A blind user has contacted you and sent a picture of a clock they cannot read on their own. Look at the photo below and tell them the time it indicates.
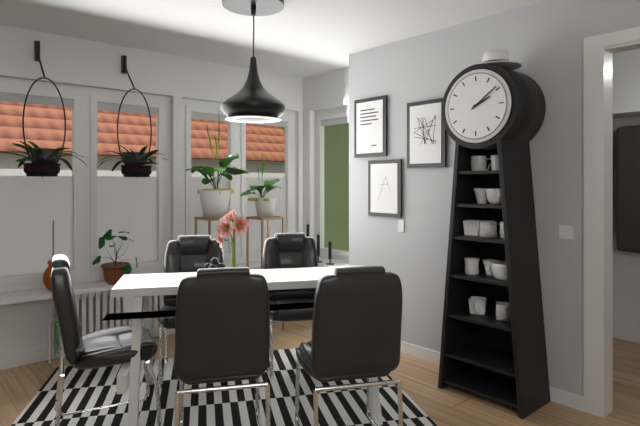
2:09
